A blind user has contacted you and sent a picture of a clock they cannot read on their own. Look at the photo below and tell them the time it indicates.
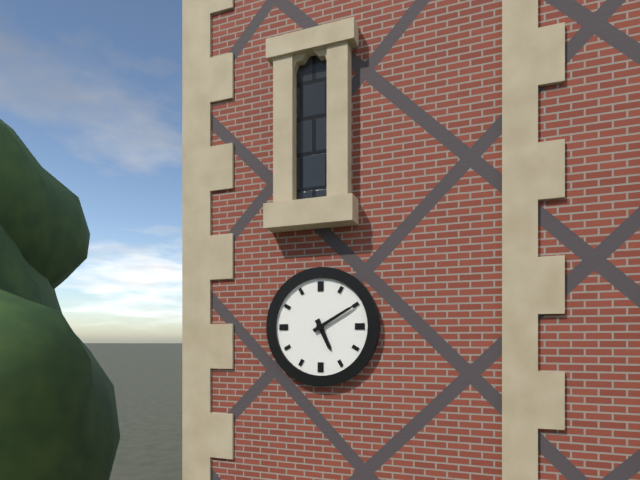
5:10
